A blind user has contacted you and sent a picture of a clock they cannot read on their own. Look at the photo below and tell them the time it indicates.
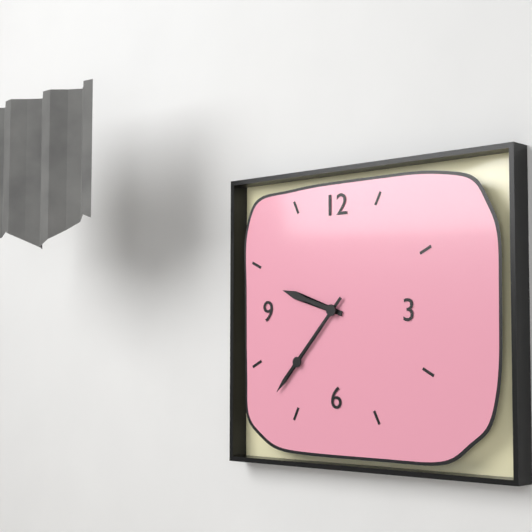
9:37
